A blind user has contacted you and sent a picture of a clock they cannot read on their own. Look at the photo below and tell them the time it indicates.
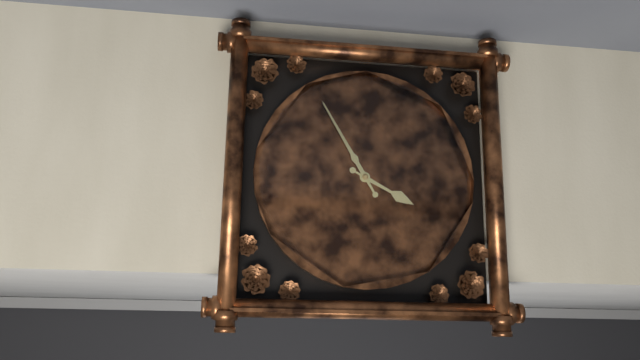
3:55
